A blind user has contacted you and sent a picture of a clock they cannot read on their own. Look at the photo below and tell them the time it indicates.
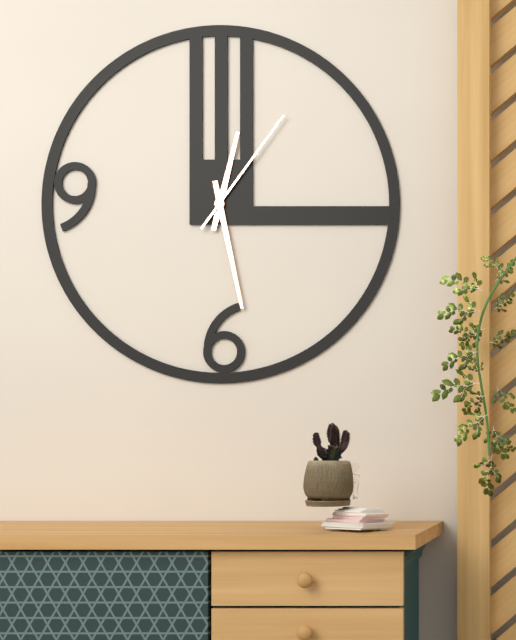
12:28:06
